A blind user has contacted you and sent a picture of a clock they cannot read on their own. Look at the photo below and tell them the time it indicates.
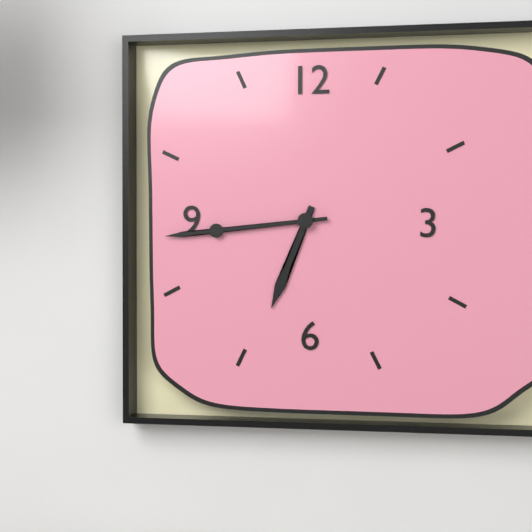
6:44
